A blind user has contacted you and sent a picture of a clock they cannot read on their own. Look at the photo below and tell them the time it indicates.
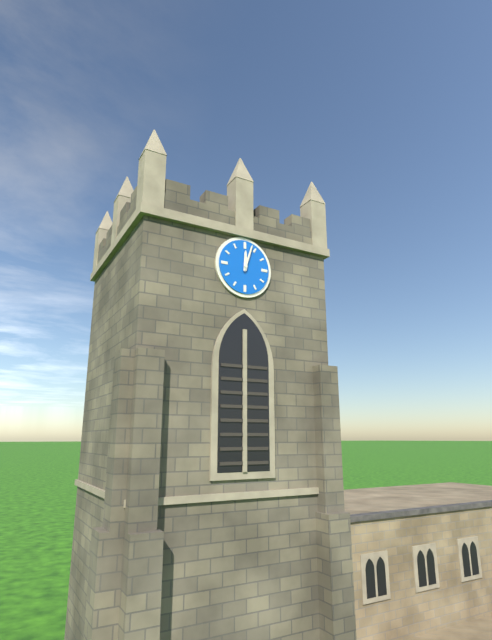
12:03
